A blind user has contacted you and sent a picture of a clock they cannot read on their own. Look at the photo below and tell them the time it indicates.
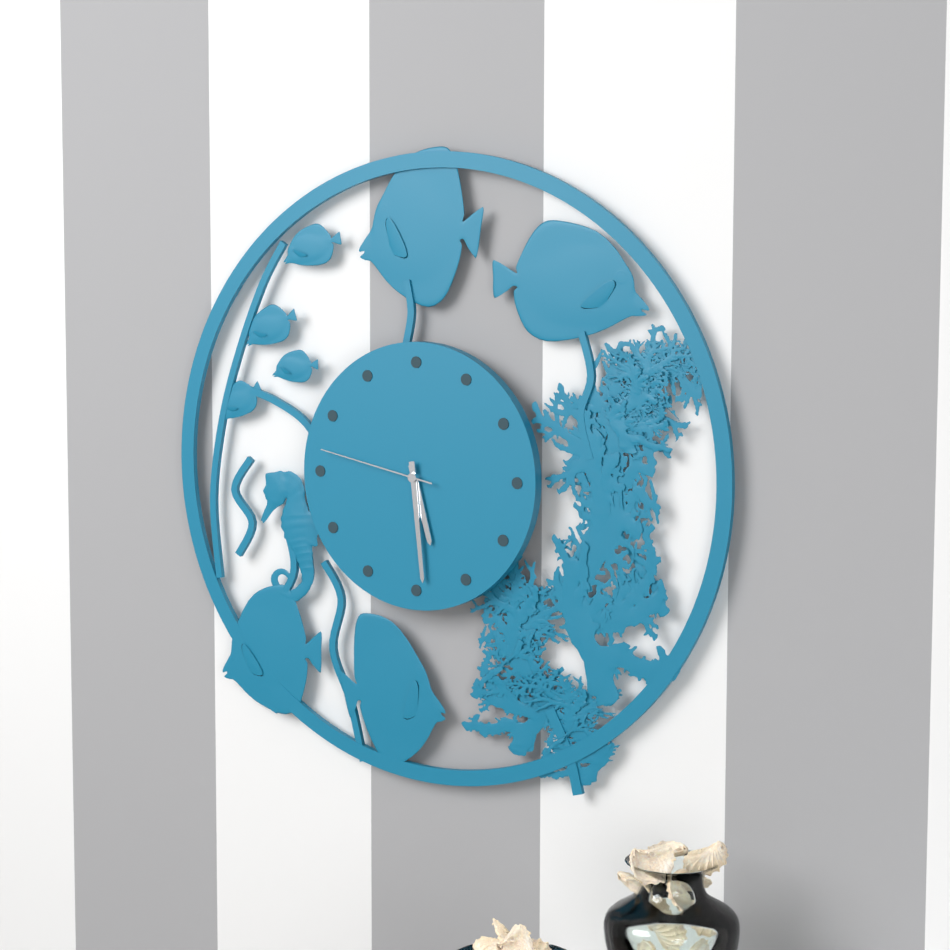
5:29:47
